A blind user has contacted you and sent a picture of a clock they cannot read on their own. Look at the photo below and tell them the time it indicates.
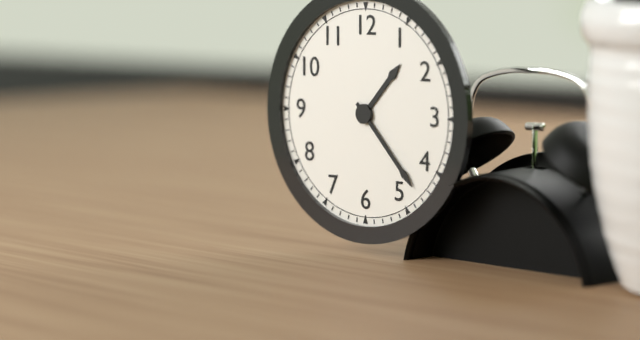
1:23
